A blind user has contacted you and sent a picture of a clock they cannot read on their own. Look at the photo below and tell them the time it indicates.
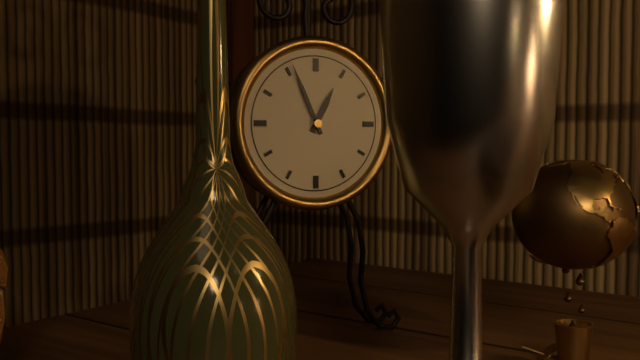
12:56
